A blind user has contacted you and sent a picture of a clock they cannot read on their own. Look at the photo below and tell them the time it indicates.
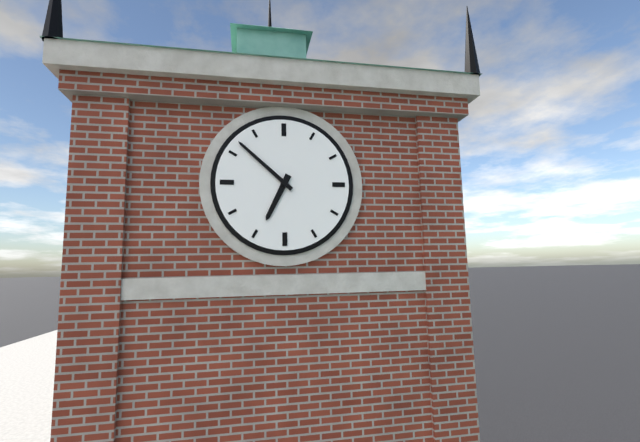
6:52
